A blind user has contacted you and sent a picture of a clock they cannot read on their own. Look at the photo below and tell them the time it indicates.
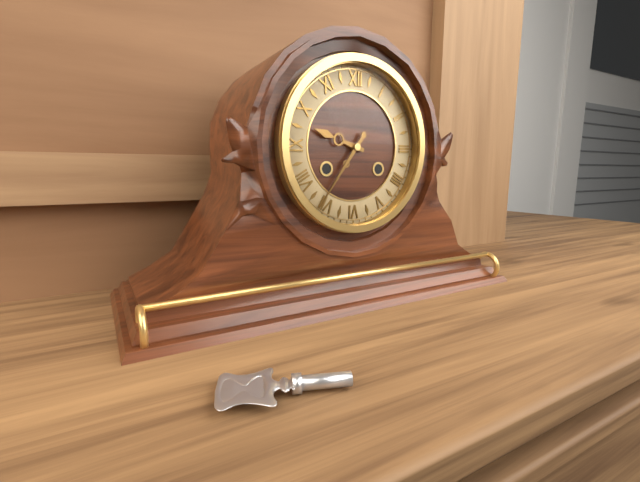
9:36
